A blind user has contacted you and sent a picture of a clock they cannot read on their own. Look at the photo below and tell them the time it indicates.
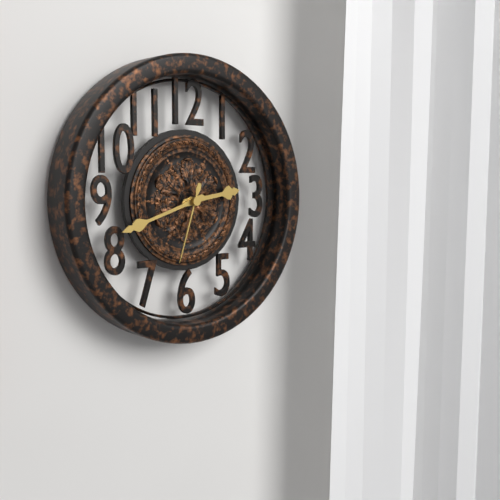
2:42:33
